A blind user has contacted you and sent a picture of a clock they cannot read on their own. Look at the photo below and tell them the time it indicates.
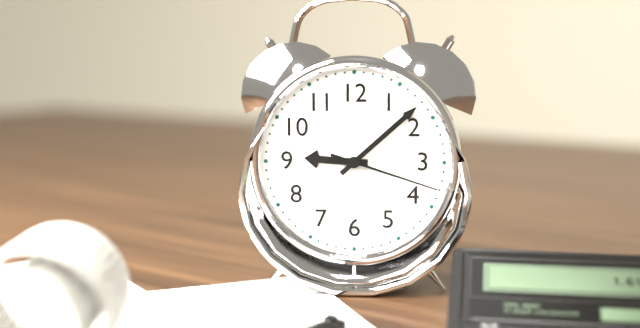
9:08:18
